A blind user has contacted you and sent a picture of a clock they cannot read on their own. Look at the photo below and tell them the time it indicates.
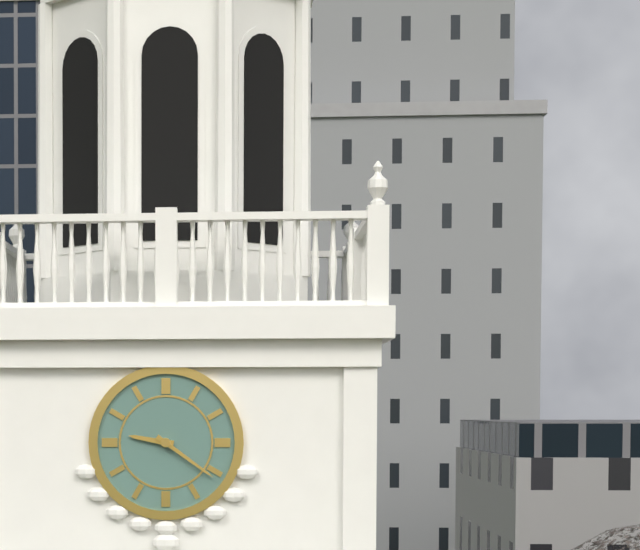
9:21
